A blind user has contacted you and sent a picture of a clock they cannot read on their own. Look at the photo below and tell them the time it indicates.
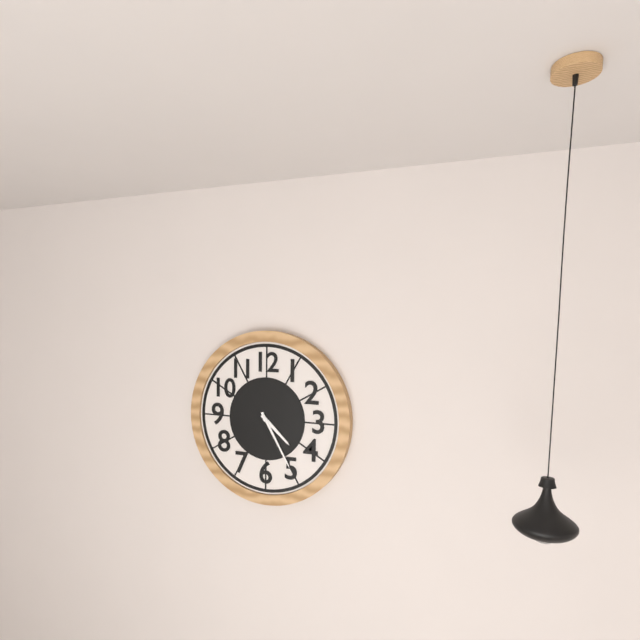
4:25
